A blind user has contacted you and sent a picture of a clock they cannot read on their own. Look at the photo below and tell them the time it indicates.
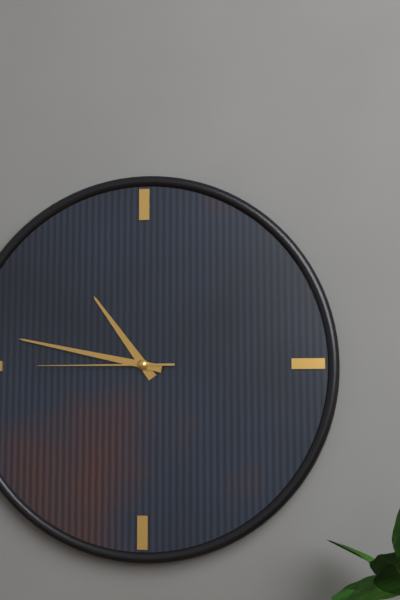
10:47:45
